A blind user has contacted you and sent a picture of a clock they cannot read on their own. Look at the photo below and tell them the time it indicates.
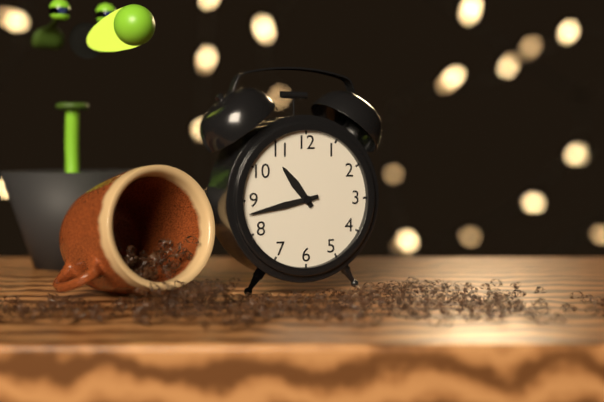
10:43
